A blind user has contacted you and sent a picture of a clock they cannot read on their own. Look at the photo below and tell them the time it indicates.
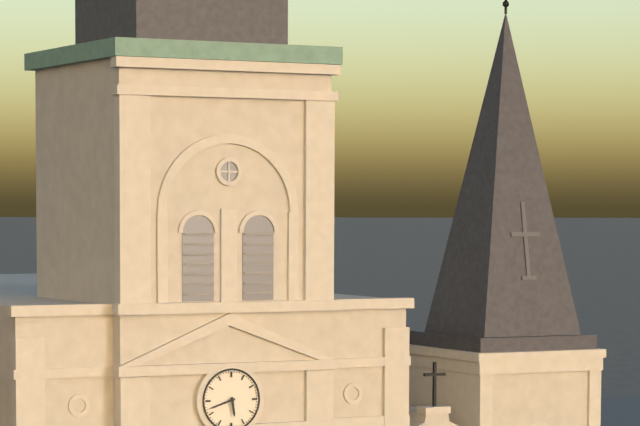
5:42
